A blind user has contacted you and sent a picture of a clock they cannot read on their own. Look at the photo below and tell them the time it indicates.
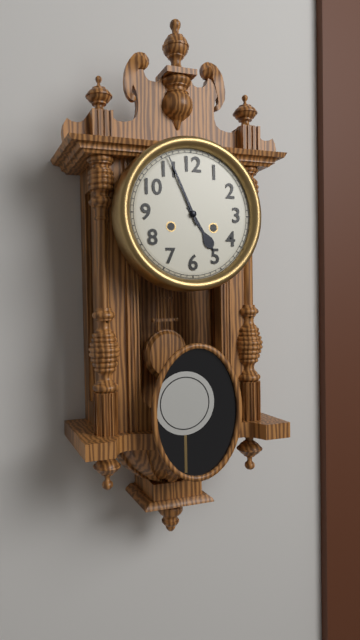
4:56
